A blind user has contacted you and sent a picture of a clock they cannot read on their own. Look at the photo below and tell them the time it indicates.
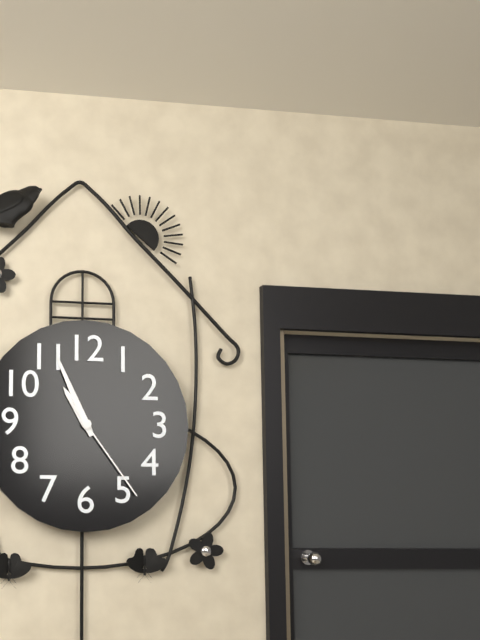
10:56:24
